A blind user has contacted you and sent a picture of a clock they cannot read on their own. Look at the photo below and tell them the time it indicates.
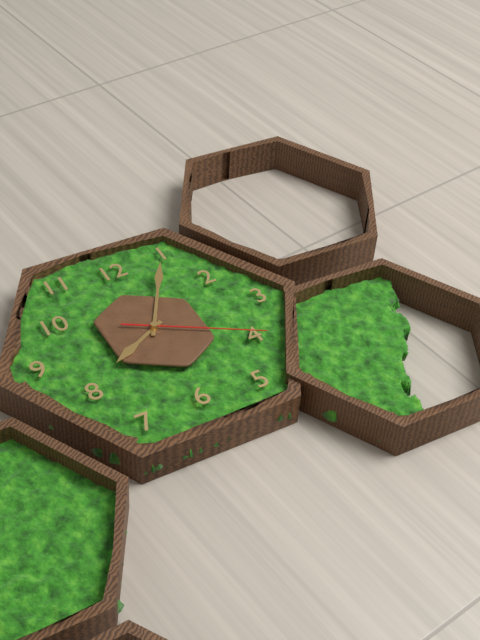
8:05:20
